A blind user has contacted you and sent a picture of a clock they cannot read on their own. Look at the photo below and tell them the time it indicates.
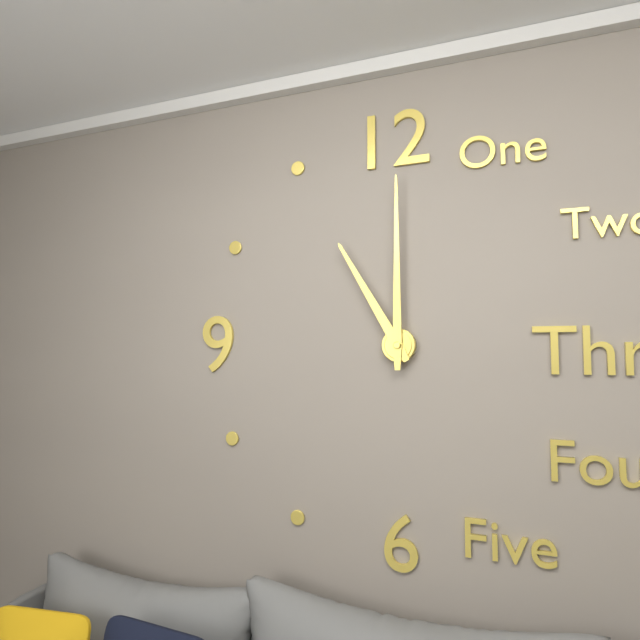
11:00
